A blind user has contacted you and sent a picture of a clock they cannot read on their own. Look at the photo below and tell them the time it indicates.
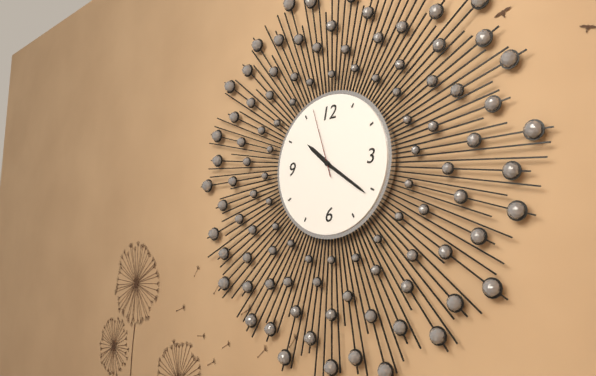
10:21:57
